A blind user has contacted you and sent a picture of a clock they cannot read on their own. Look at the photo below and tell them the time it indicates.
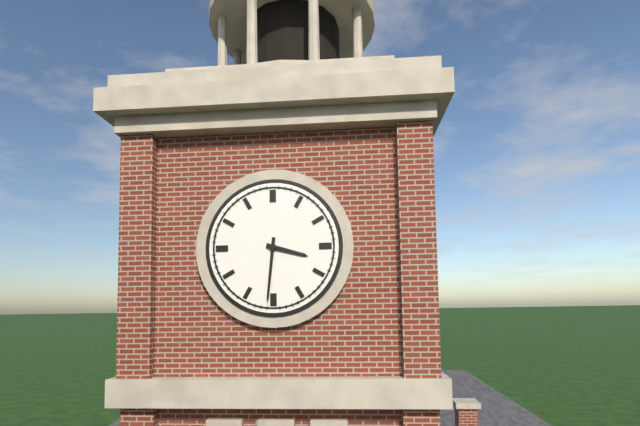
3:31
